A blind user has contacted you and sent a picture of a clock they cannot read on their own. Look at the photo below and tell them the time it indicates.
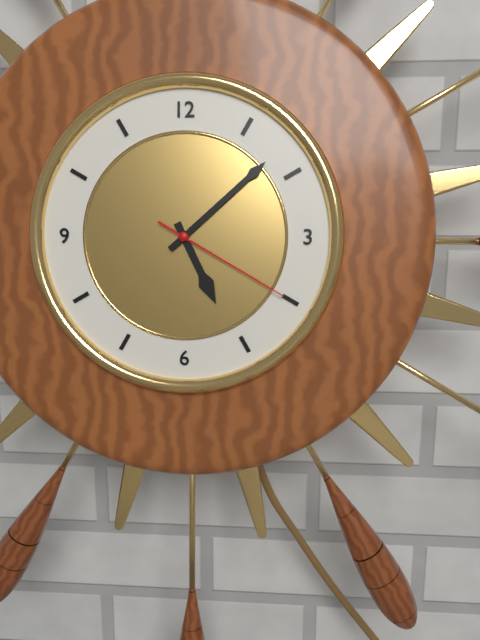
5:08:20
